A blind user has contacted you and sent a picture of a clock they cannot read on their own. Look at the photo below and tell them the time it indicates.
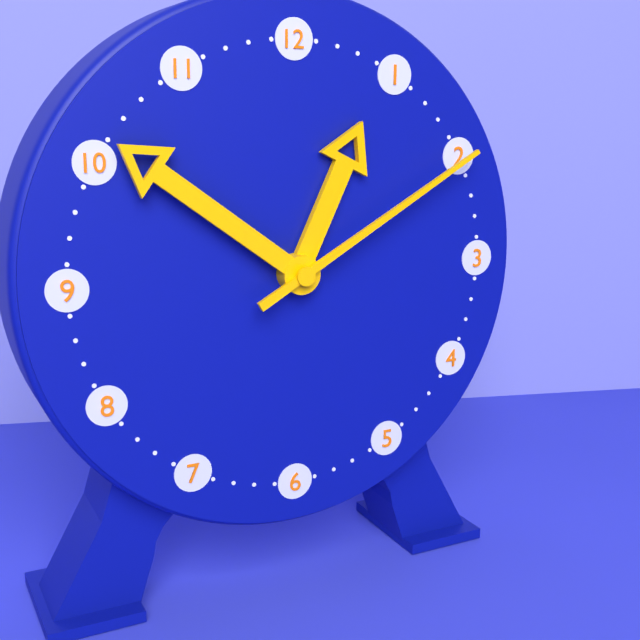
12:51:10
